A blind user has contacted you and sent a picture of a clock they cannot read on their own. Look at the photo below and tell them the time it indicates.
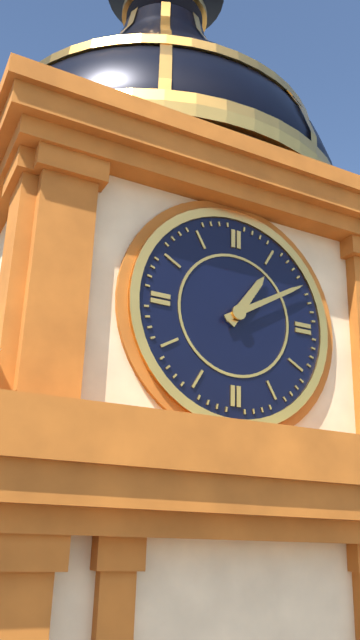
1:10
